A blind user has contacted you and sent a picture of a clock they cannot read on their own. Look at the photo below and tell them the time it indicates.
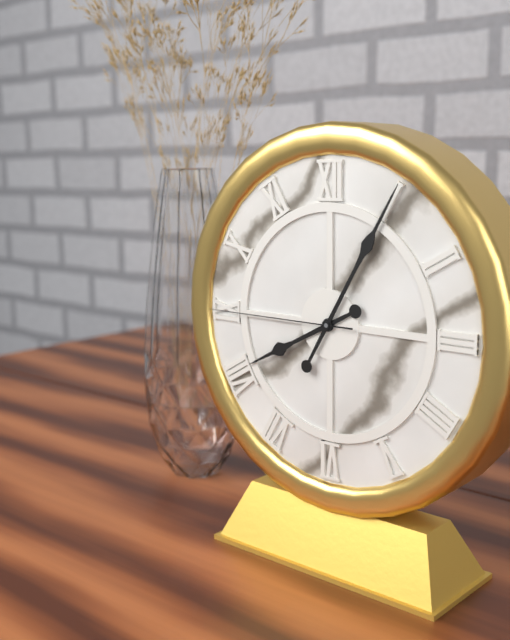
8:05:45
